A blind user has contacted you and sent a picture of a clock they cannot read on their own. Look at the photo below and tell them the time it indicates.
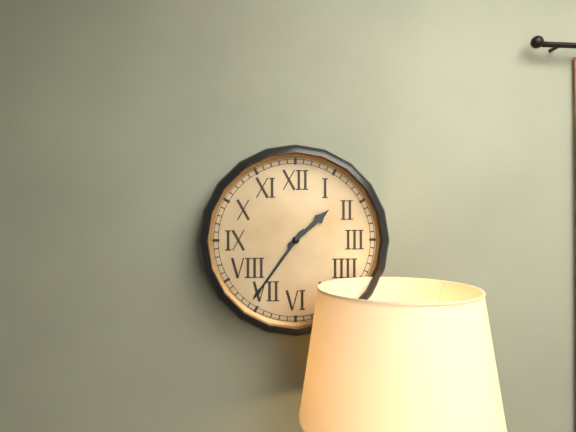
1:36
